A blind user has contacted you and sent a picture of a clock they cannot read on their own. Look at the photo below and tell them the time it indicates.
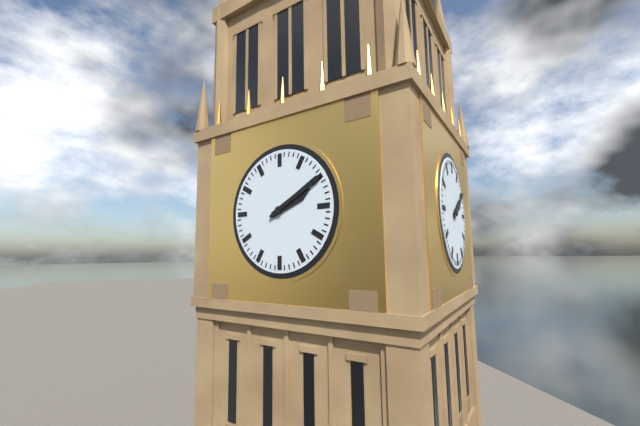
2:10
